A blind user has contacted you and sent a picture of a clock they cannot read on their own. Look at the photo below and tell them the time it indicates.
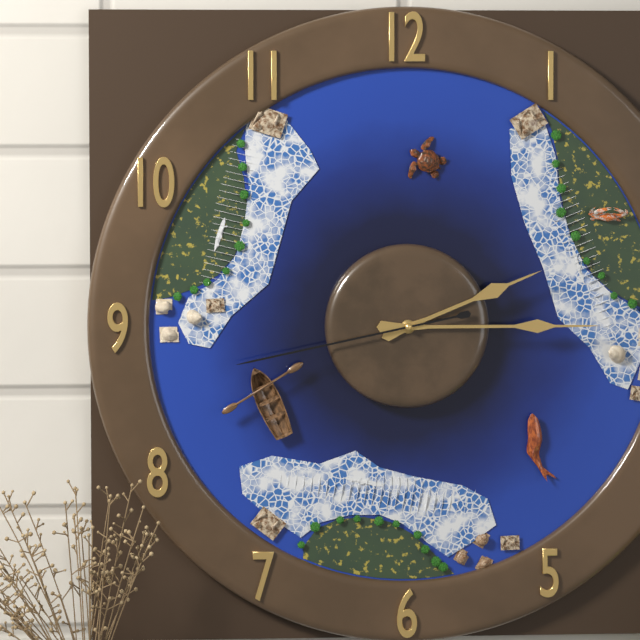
2:15:43
